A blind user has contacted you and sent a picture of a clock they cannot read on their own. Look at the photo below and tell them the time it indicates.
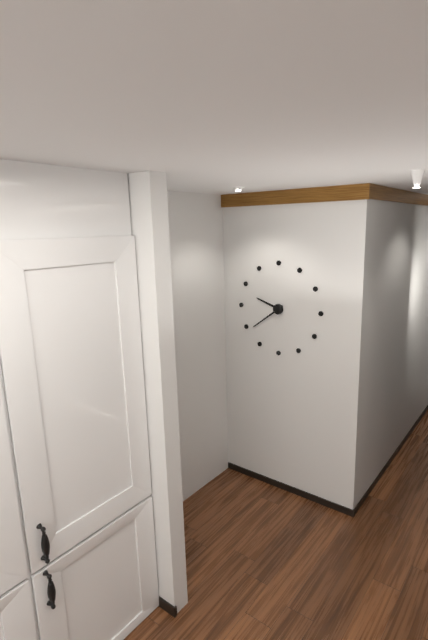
9:39
